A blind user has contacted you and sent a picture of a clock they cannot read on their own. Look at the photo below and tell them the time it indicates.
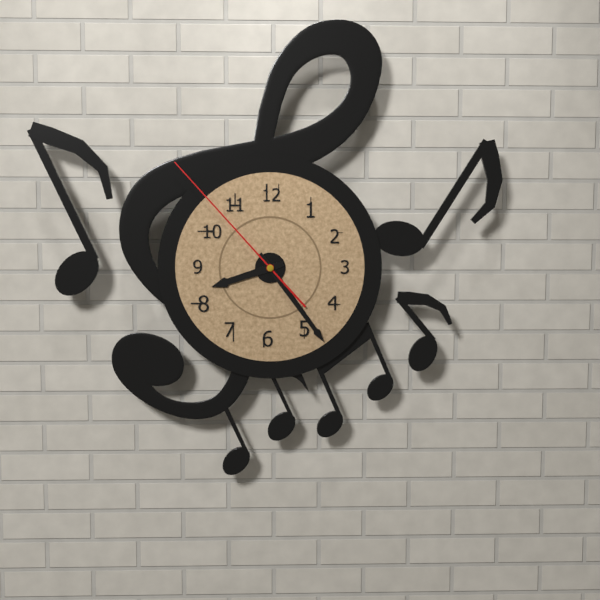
8:24:53
